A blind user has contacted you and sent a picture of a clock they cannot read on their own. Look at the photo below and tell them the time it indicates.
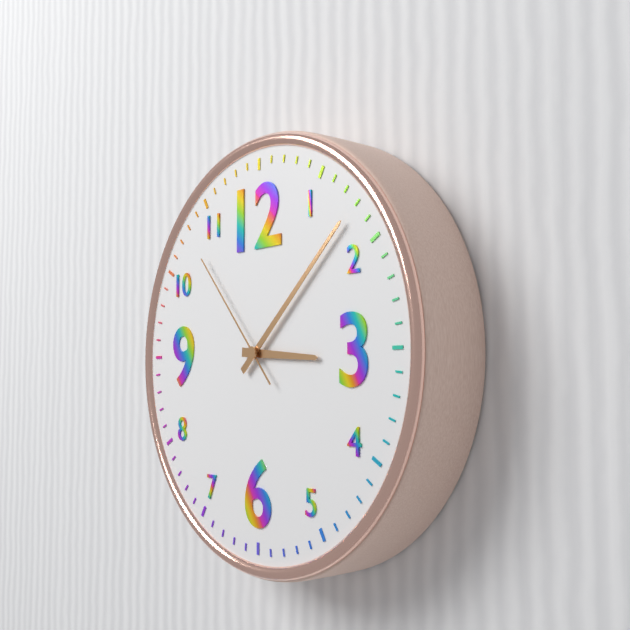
3:08:53
